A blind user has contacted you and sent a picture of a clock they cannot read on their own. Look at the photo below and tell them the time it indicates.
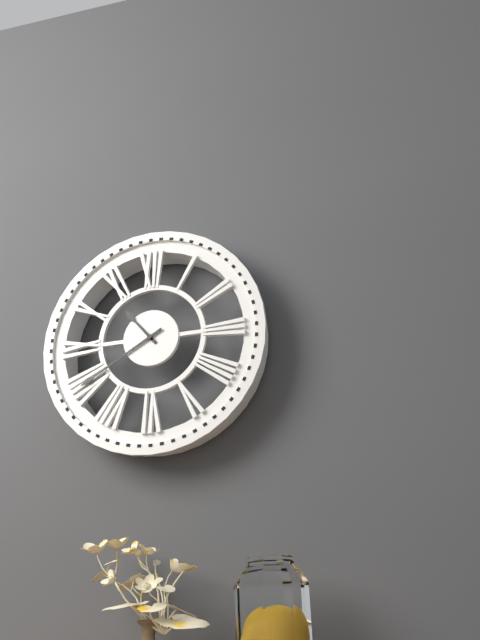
10:40
